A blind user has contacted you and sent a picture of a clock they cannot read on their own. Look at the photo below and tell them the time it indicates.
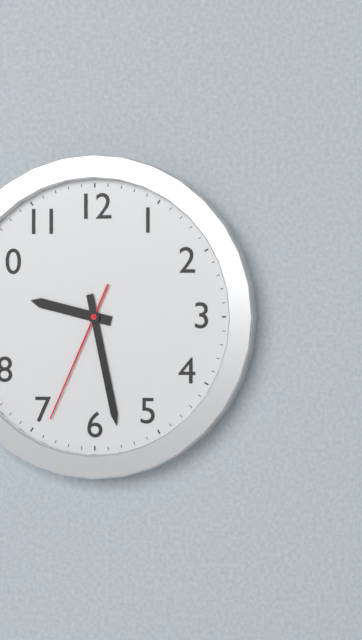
9:28:34
